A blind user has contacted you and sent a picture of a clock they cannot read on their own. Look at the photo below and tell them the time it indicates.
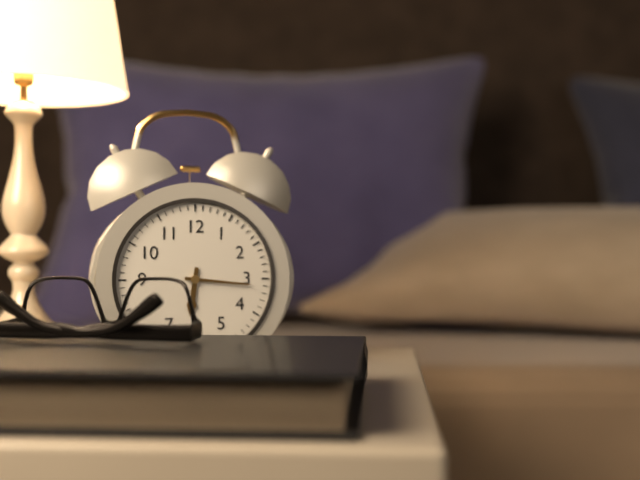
6:16
